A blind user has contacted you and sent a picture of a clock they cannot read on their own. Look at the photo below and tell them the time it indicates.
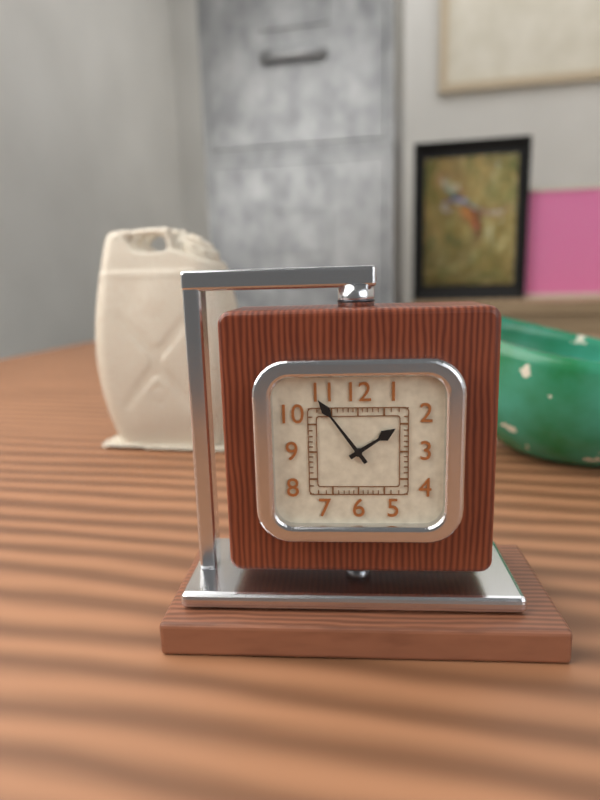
1:54
